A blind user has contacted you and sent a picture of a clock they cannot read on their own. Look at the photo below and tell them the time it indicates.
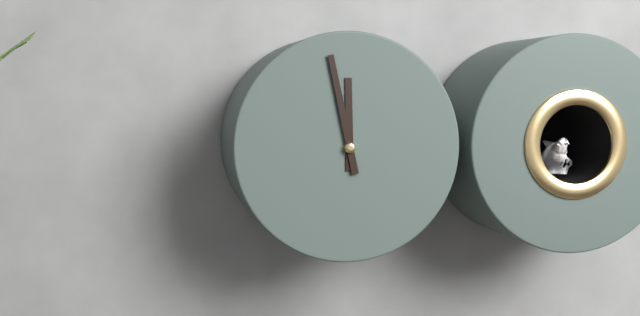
11:58
